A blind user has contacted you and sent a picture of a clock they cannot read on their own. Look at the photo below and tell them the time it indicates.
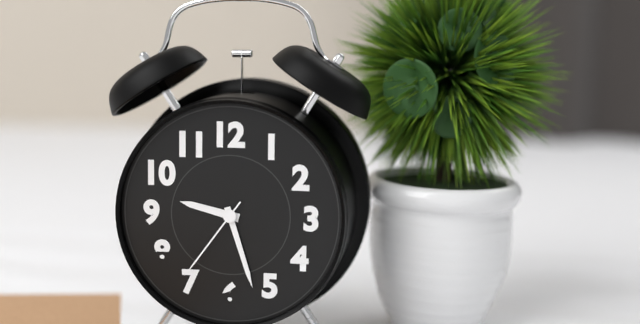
9:27:36
